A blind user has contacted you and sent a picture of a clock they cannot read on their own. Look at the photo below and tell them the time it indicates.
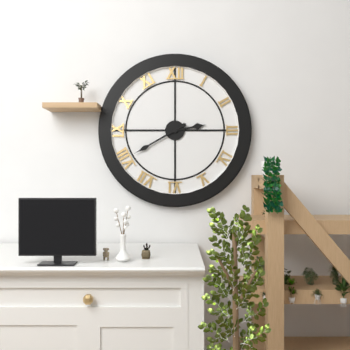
2:40
